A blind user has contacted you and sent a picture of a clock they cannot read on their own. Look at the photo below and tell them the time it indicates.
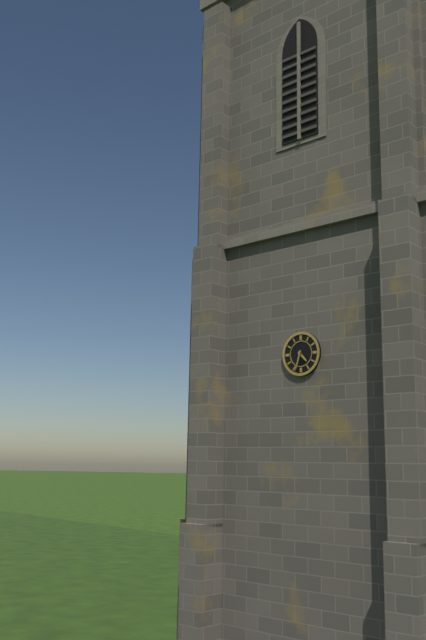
4:33
